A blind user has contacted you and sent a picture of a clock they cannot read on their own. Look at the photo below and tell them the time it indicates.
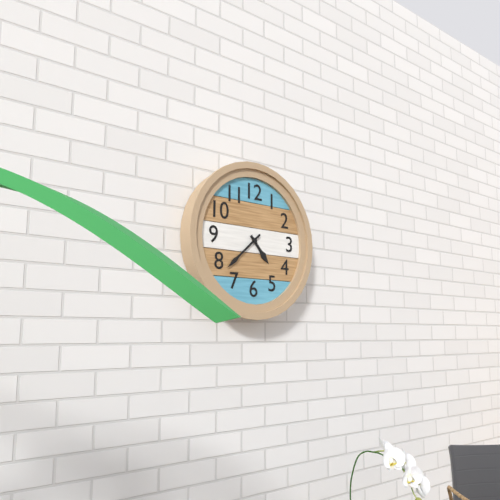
4:38
